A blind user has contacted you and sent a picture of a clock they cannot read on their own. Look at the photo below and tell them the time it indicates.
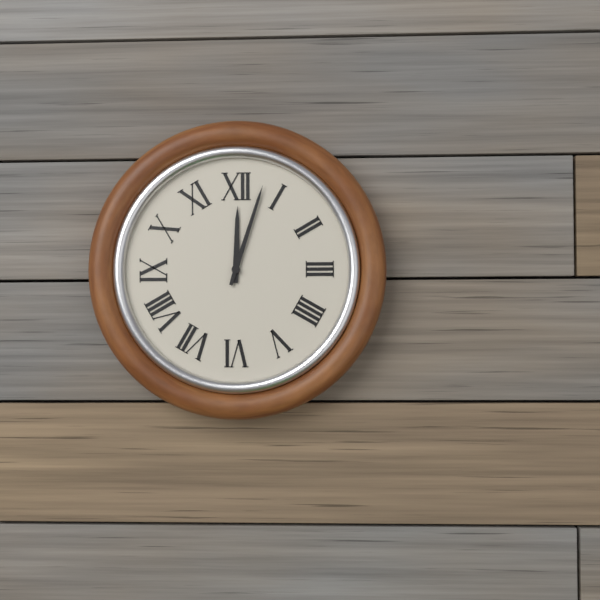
12:03
